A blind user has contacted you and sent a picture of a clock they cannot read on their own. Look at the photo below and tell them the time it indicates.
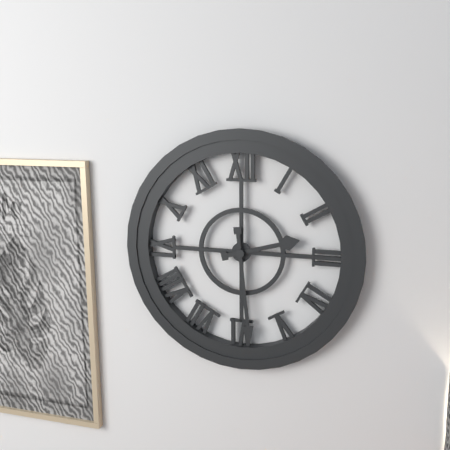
2:29
